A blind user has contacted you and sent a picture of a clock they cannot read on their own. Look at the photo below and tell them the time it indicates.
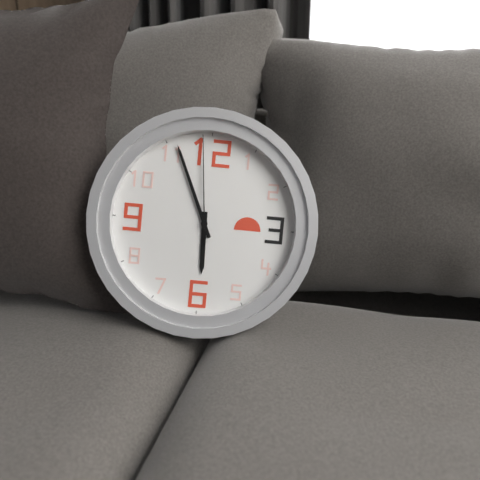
5:56:59
